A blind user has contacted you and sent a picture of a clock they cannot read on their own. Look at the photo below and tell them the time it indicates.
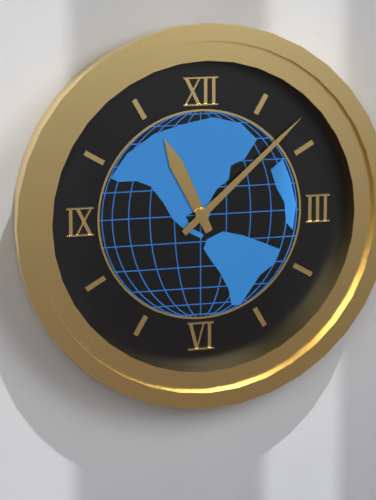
11:08
